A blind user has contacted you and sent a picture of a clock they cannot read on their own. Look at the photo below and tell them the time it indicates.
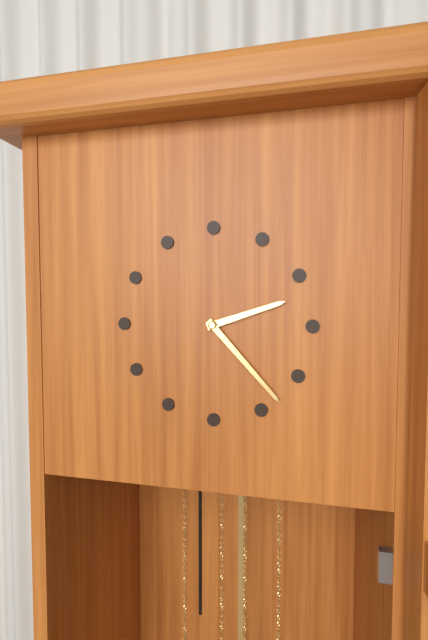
2:23
